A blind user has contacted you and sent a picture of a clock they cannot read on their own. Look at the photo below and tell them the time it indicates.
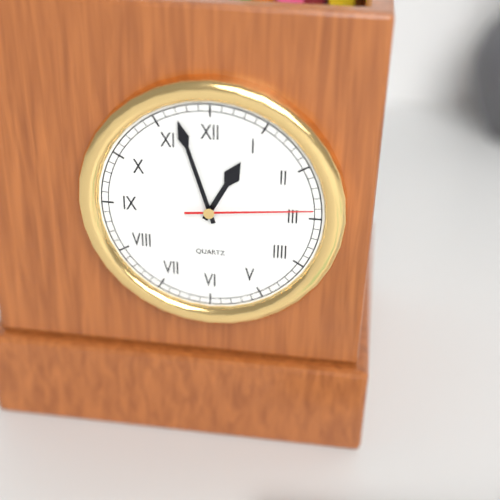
12:57:14
